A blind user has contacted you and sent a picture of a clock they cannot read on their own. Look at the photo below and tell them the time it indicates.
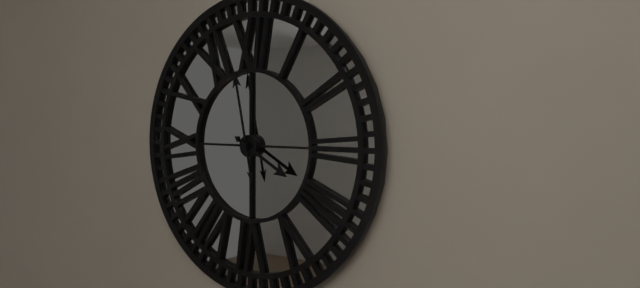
3:58
